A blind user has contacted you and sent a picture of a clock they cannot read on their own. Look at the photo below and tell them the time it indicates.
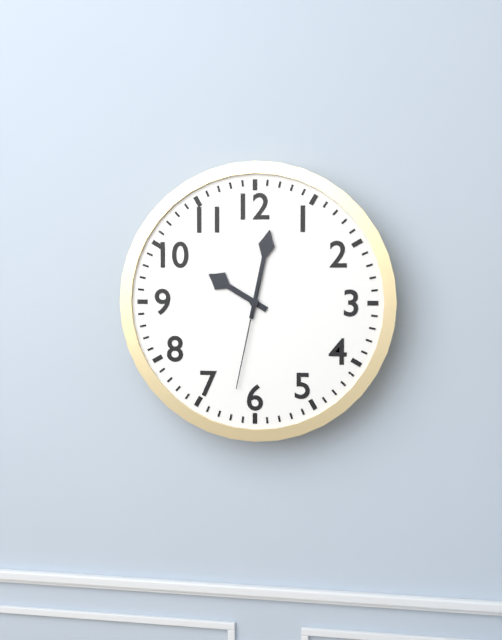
10:02:32
